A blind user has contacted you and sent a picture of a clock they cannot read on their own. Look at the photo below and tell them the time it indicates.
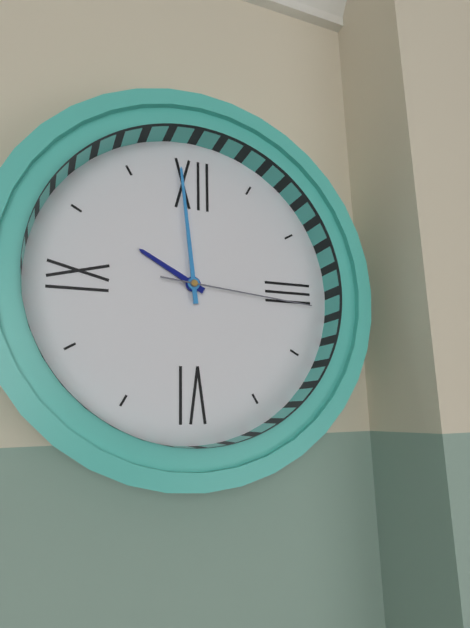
9:59:16
